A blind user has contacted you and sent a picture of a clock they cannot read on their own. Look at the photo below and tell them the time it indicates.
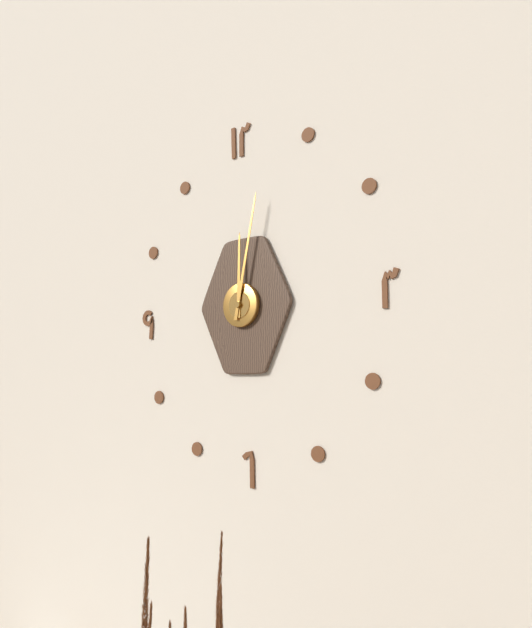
12:02
